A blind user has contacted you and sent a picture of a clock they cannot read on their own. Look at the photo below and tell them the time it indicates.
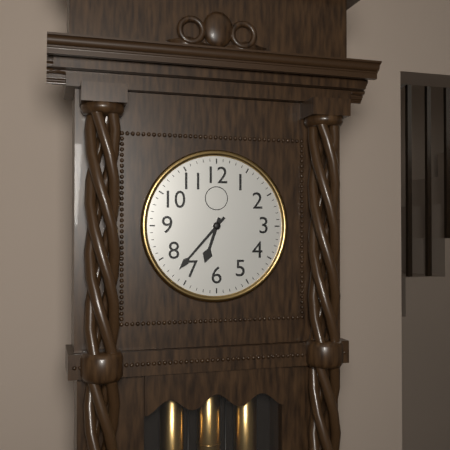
6:37
